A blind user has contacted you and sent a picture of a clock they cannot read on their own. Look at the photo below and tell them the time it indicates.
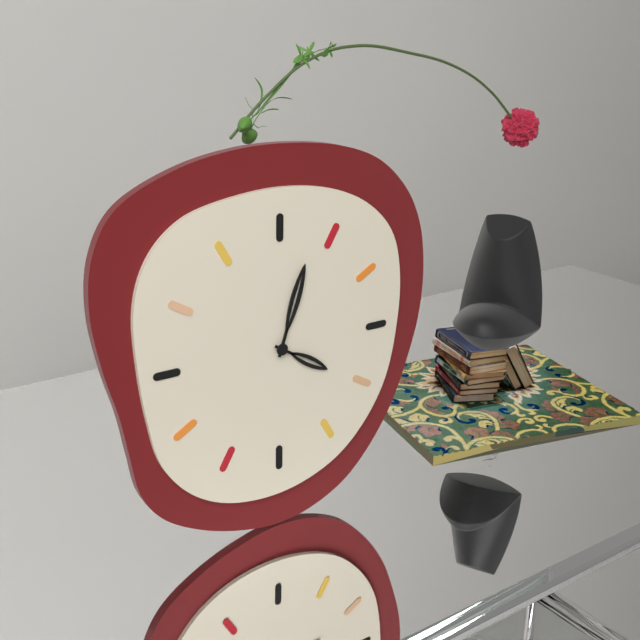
4:03
